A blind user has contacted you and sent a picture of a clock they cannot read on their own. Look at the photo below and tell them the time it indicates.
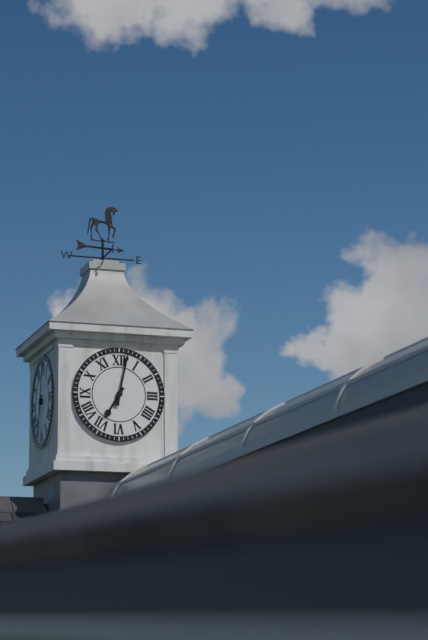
7:02
